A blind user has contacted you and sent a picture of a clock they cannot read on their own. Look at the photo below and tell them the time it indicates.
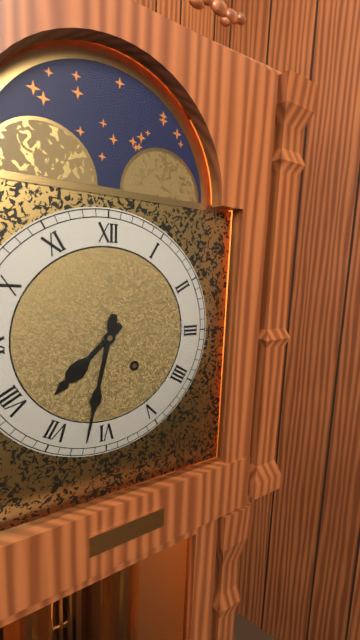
7:32
